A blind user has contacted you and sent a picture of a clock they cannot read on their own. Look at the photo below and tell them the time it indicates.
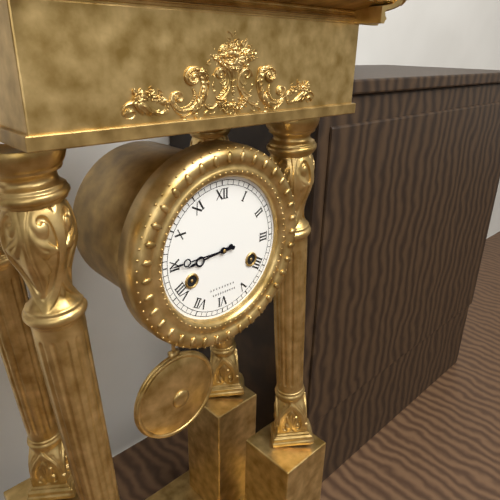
8:45
